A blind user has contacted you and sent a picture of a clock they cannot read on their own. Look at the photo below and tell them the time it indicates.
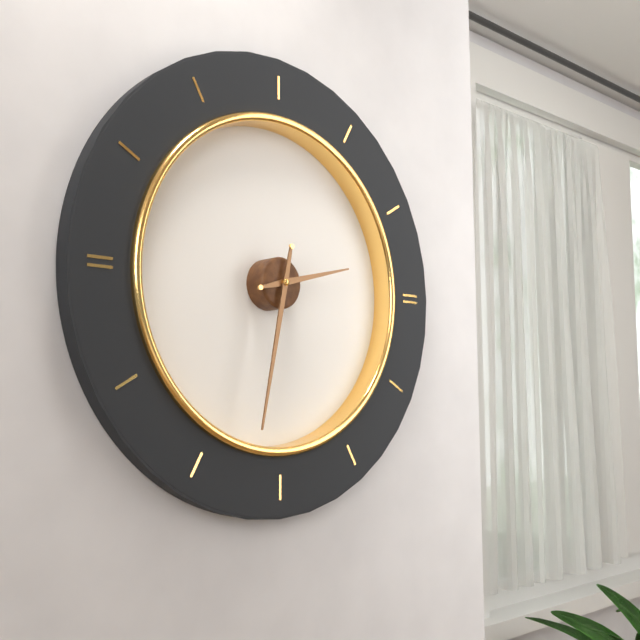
2:32
